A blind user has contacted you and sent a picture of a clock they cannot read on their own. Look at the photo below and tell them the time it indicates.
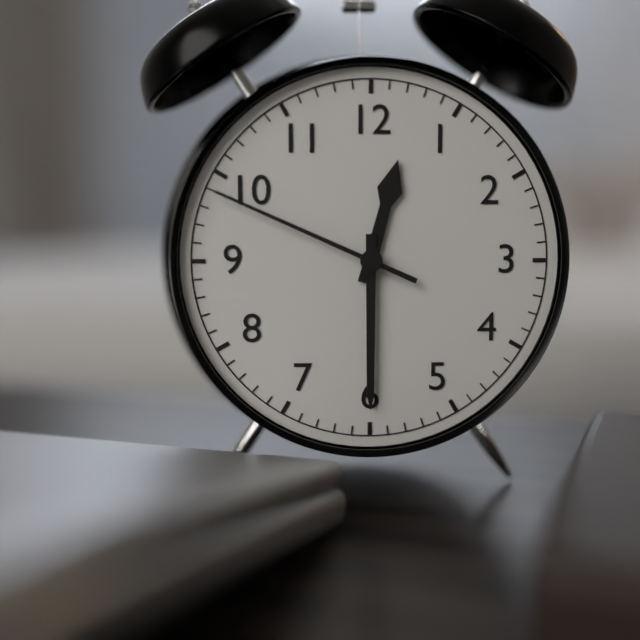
12:30:49
